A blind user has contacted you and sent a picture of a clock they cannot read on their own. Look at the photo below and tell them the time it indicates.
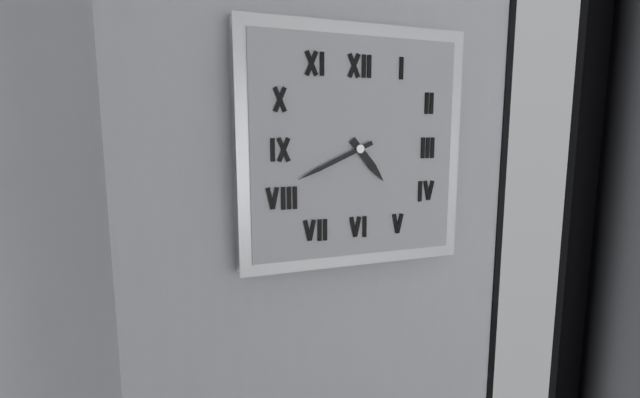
4:41
